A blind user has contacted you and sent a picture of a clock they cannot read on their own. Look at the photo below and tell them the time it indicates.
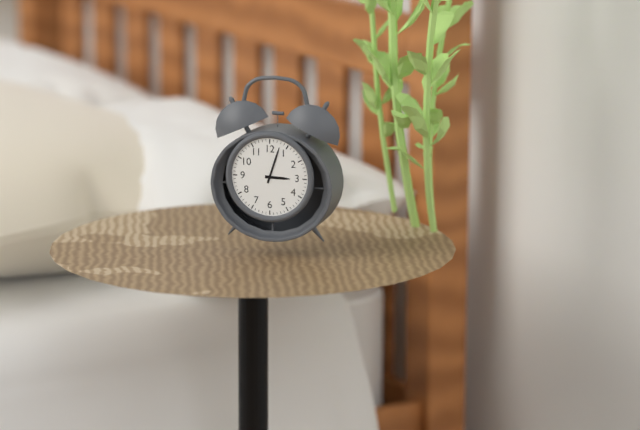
3:03
